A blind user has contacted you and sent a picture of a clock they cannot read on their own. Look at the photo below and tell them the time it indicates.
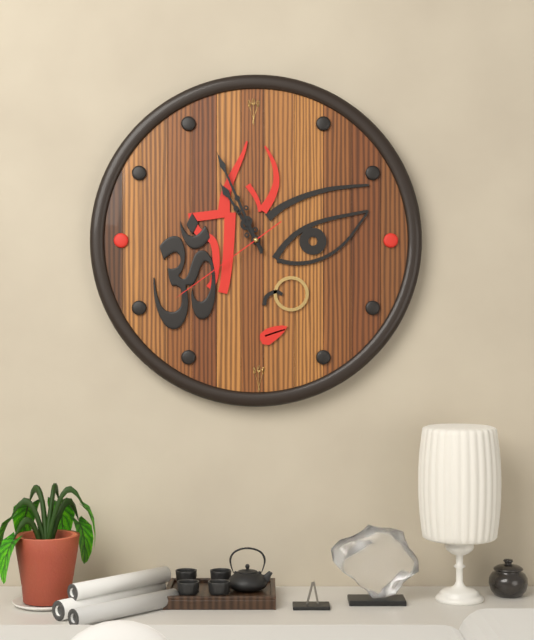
10:56:39
